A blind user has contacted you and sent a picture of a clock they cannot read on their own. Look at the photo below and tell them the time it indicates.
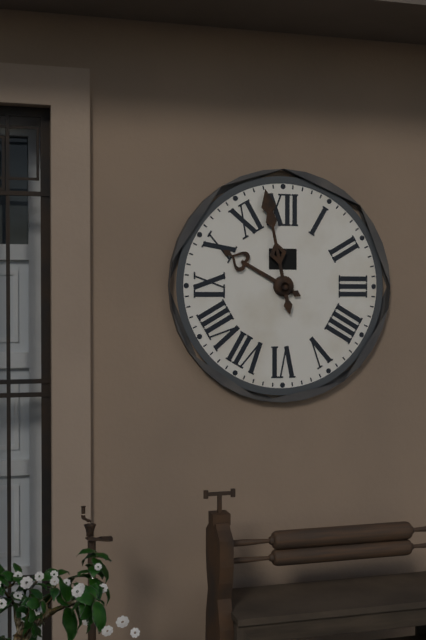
9:58
